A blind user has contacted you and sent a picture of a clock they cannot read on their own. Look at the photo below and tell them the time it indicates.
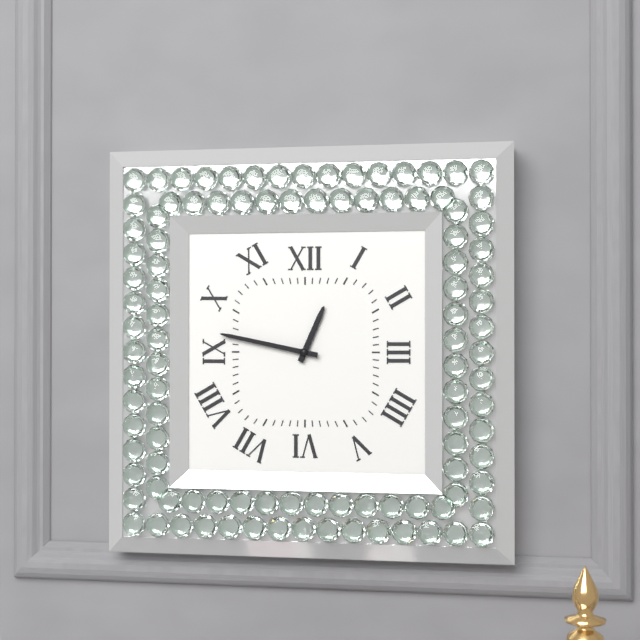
12:47
